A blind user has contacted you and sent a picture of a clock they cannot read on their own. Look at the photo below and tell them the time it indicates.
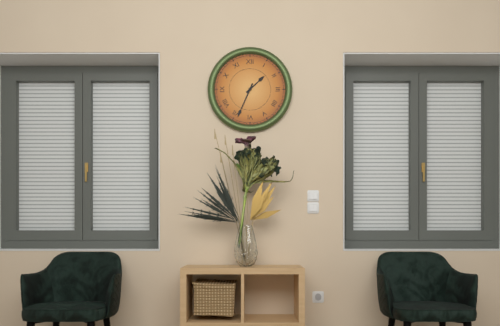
1:34
